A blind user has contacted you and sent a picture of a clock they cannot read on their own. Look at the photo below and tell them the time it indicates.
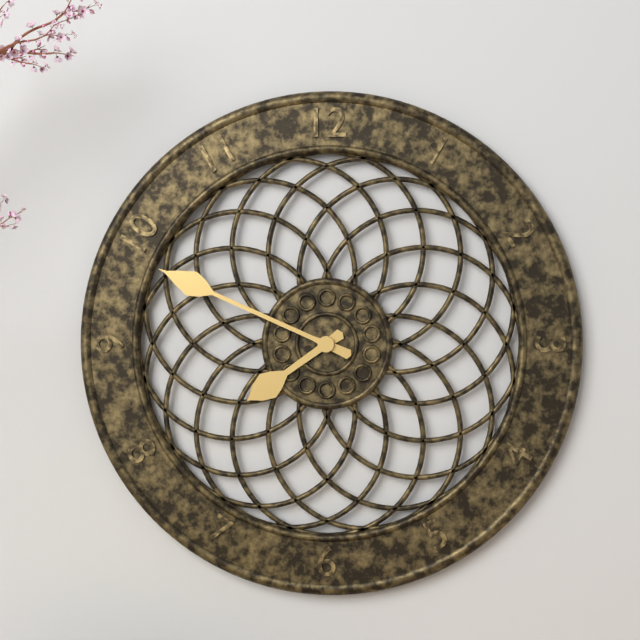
7:49
